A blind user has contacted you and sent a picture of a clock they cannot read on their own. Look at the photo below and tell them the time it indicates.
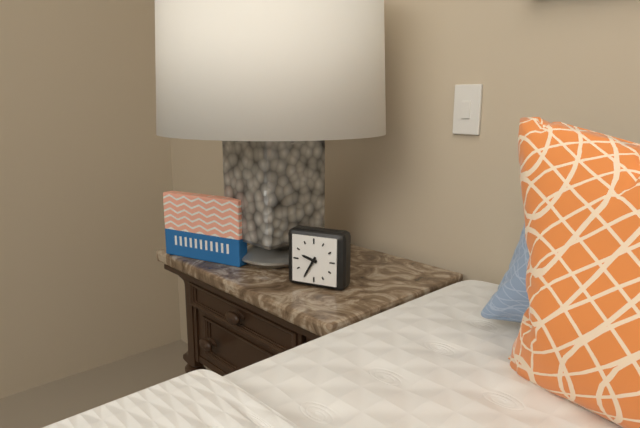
9:35
